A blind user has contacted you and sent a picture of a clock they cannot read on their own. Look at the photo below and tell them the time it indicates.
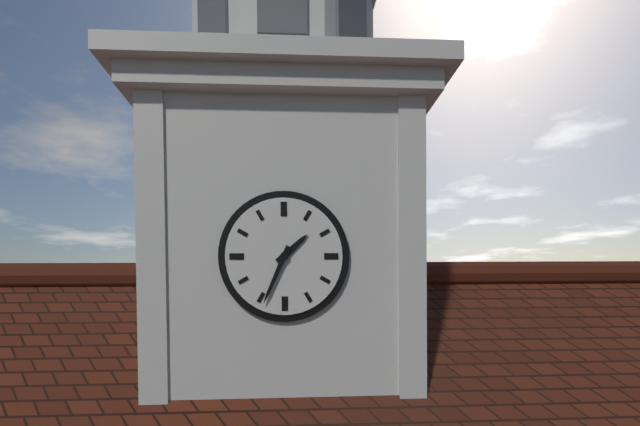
1:34
